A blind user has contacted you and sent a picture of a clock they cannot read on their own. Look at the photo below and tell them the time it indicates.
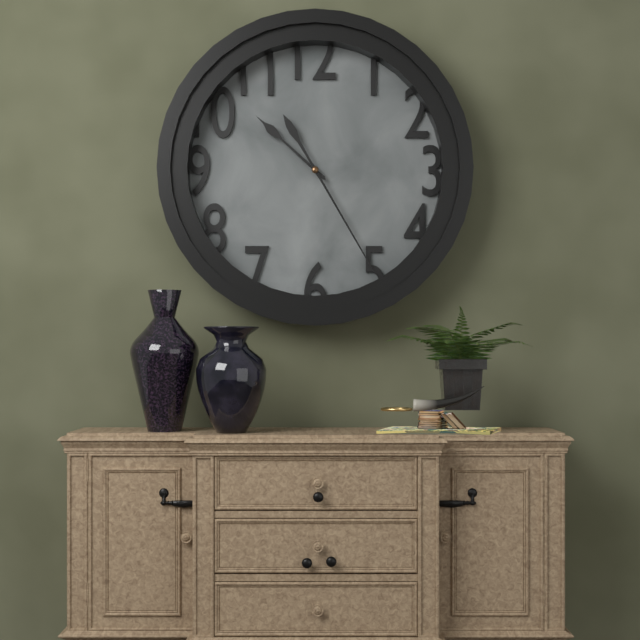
10:25
